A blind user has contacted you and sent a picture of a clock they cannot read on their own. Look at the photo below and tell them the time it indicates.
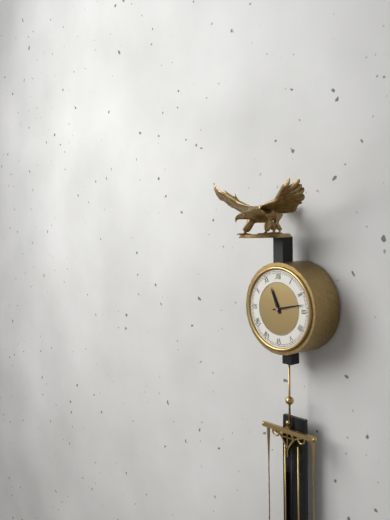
11:13
